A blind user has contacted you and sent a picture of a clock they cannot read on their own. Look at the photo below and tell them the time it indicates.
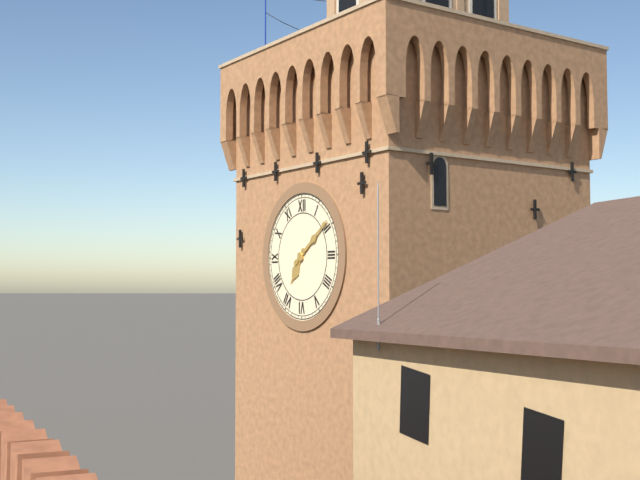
7:09
